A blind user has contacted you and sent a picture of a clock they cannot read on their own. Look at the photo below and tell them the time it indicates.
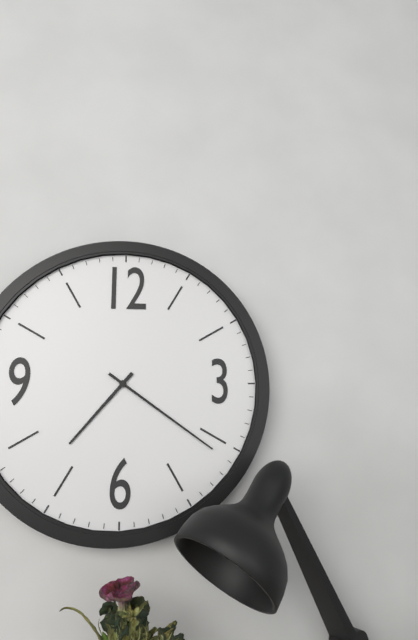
7:21
